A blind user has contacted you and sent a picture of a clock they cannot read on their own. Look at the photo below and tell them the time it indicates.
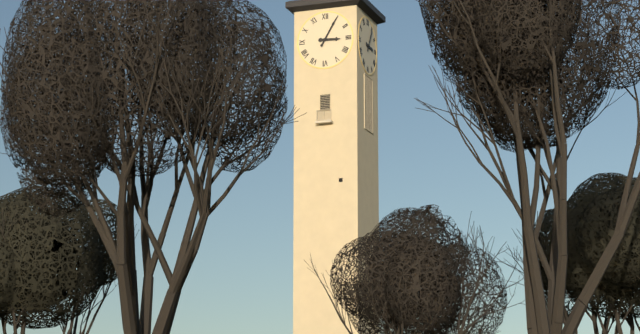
3:05
